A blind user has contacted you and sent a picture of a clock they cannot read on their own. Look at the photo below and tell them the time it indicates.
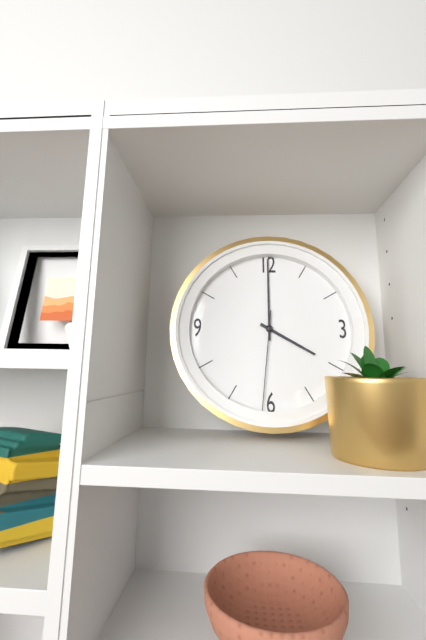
4:00:31
